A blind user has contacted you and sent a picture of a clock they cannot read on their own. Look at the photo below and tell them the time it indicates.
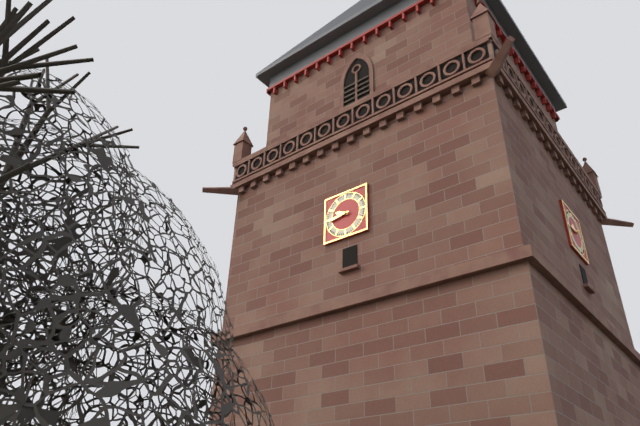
9:44
